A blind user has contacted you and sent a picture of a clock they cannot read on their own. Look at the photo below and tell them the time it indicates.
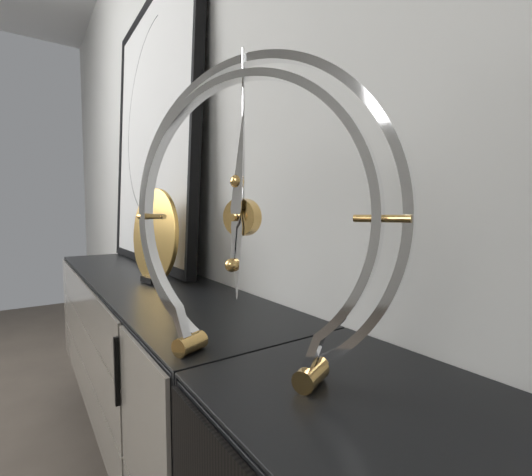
6:01
